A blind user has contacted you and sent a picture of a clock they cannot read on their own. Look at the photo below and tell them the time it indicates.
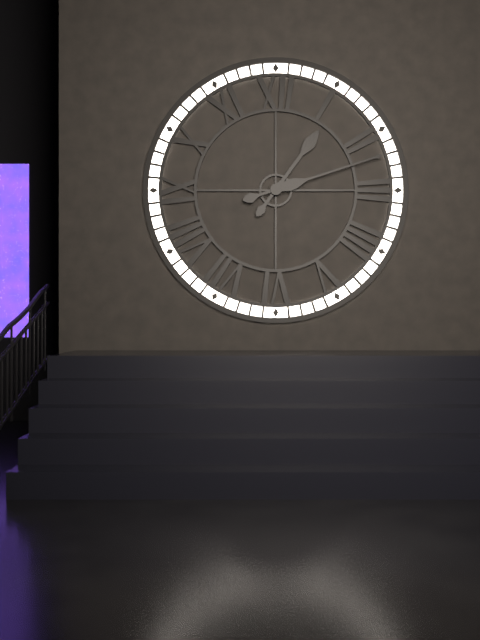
1:12
